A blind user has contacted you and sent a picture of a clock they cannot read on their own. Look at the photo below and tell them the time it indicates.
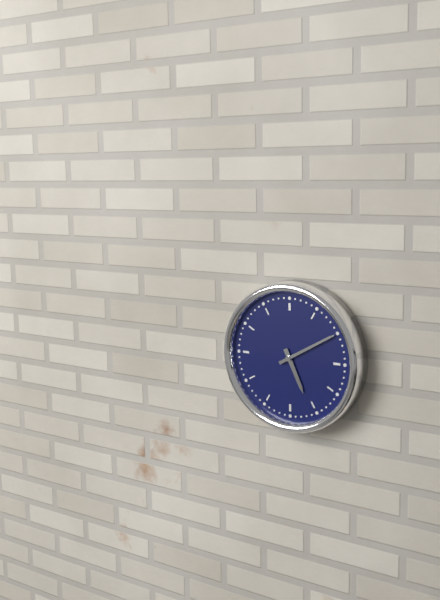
5:10
